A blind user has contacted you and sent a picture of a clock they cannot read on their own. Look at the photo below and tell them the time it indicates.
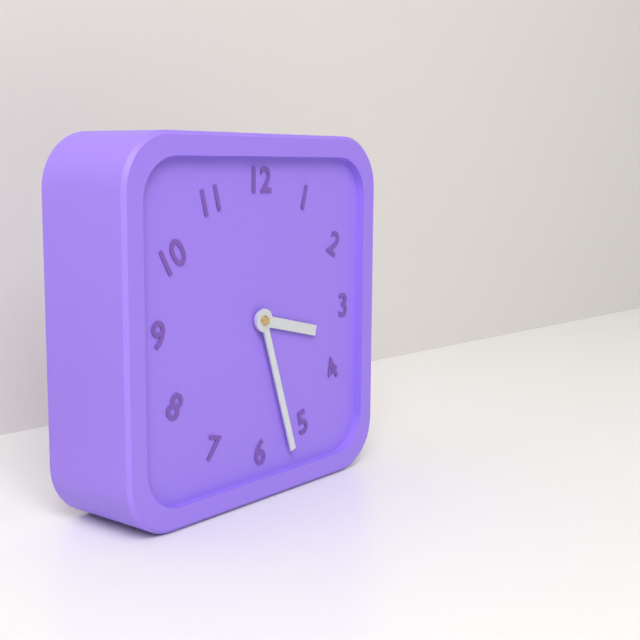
3:27
